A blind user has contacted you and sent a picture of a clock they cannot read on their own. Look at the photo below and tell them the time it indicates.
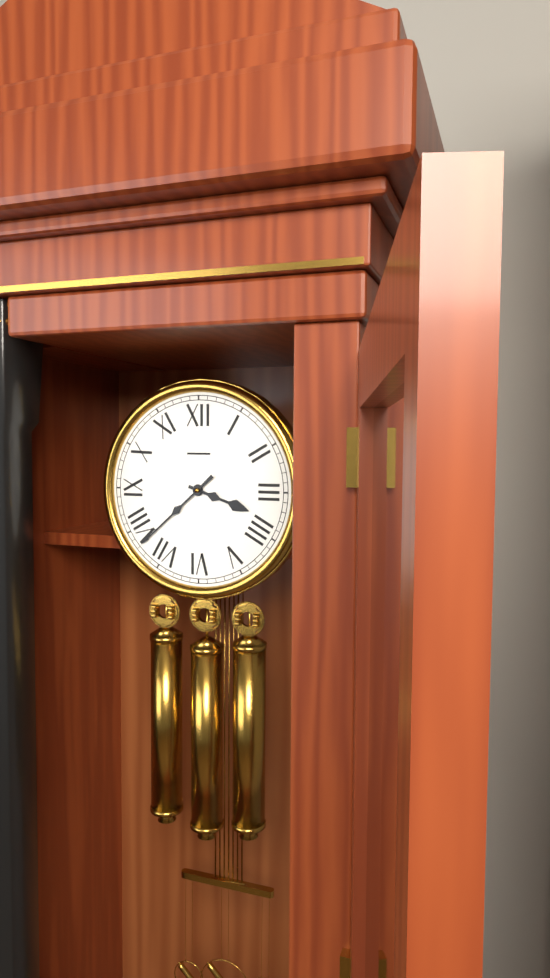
3:38
